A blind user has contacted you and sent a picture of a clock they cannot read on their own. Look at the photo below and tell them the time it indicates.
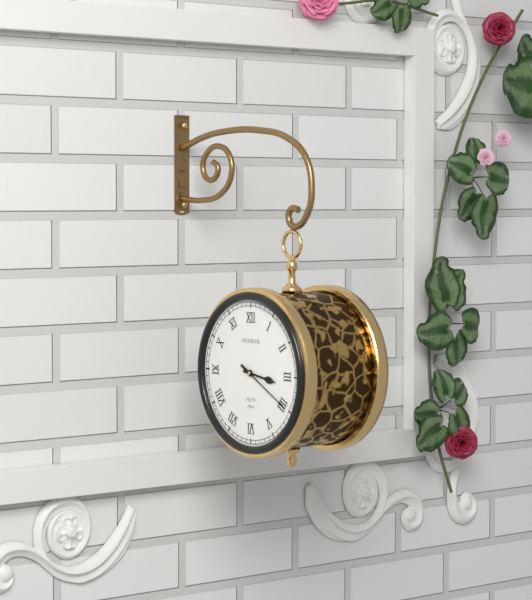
3:20
